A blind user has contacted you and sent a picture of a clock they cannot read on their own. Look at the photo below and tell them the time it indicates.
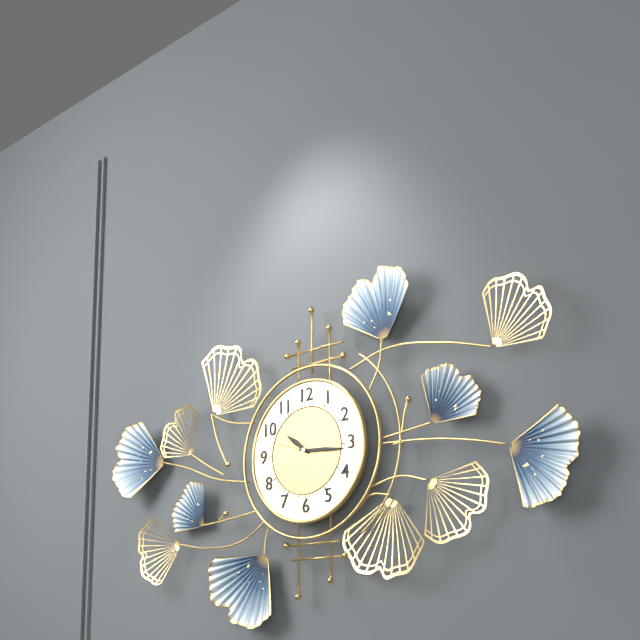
10:16
